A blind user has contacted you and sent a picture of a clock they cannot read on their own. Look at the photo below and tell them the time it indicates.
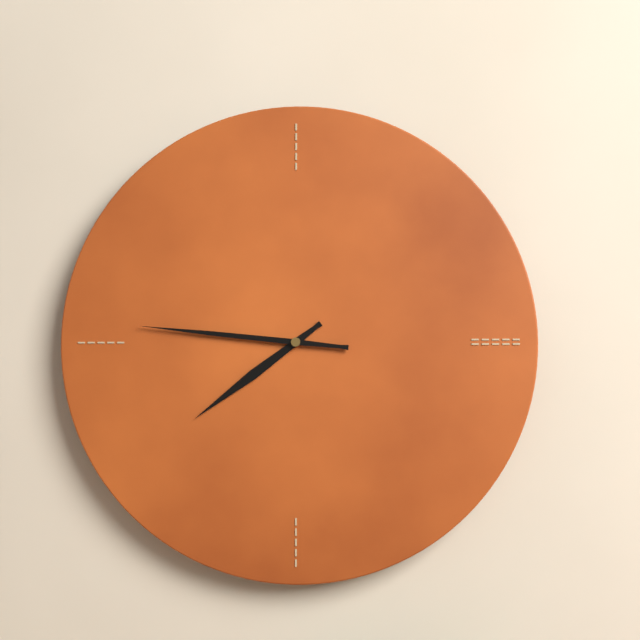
7:46
